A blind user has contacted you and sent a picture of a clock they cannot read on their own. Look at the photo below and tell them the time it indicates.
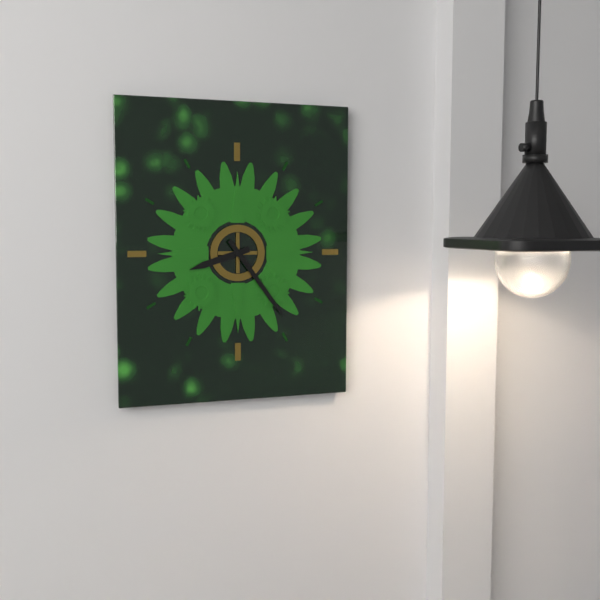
8:24
